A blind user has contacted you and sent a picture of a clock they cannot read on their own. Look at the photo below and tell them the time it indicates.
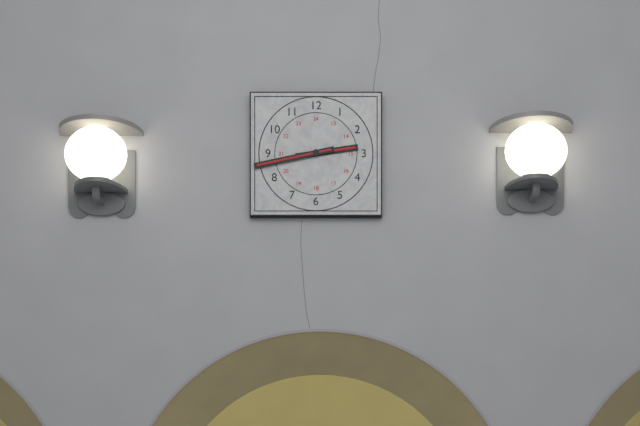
2:43
